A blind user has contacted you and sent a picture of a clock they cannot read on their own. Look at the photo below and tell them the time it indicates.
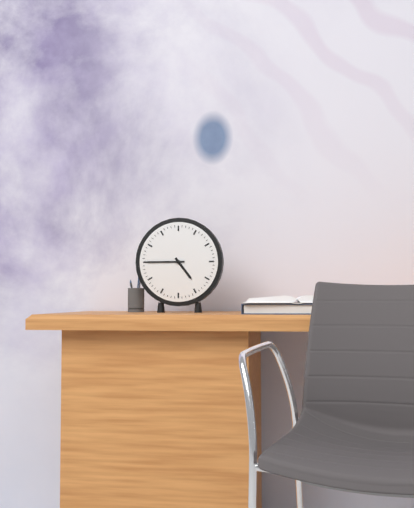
4:45
